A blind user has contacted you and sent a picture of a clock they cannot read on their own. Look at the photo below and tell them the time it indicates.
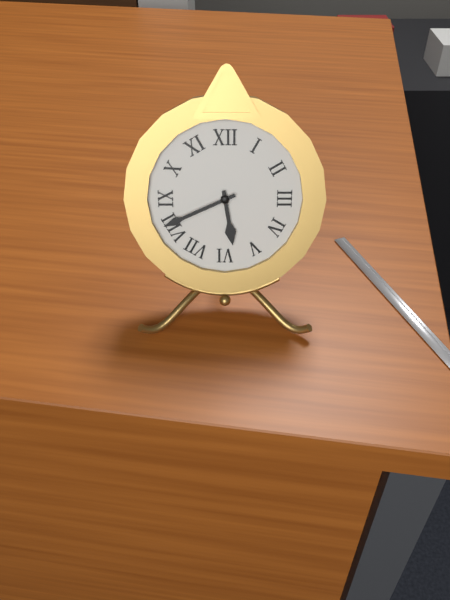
5:41
